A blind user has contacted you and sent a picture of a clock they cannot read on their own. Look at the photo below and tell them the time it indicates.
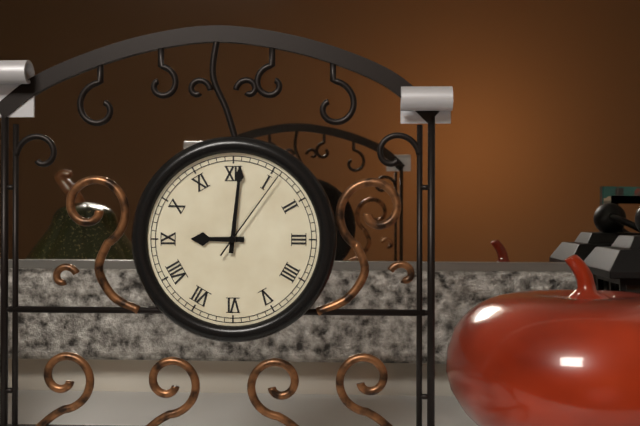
9:01:06
